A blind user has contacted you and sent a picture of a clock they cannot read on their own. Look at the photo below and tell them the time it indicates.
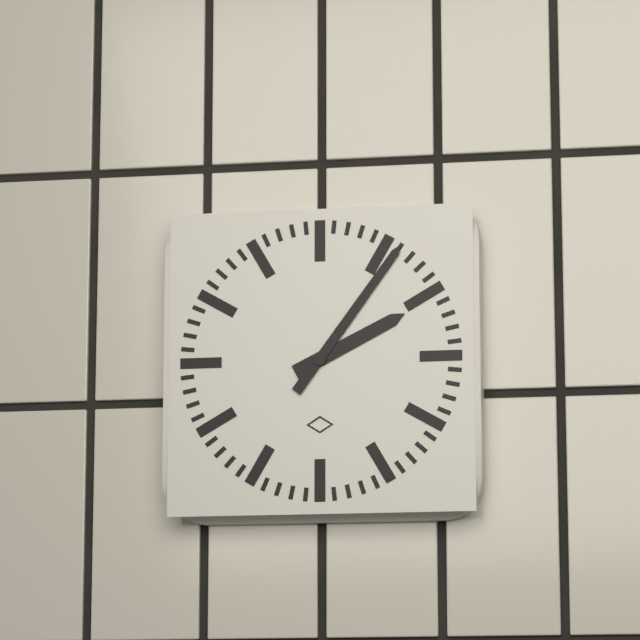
2:06
